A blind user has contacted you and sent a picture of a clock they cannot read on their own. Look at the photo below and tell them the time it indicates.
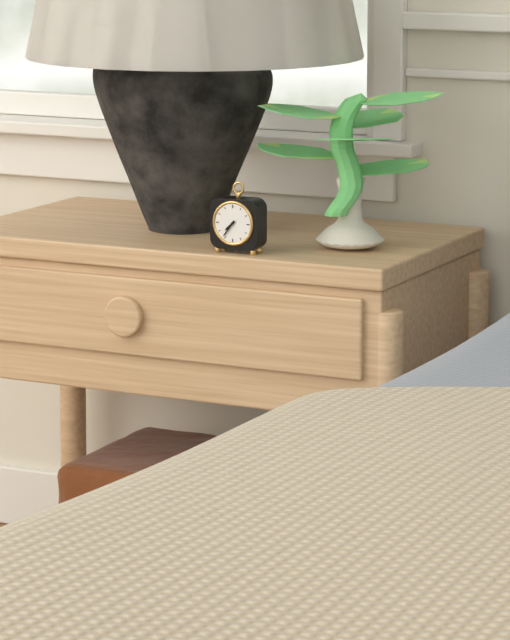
7:36
